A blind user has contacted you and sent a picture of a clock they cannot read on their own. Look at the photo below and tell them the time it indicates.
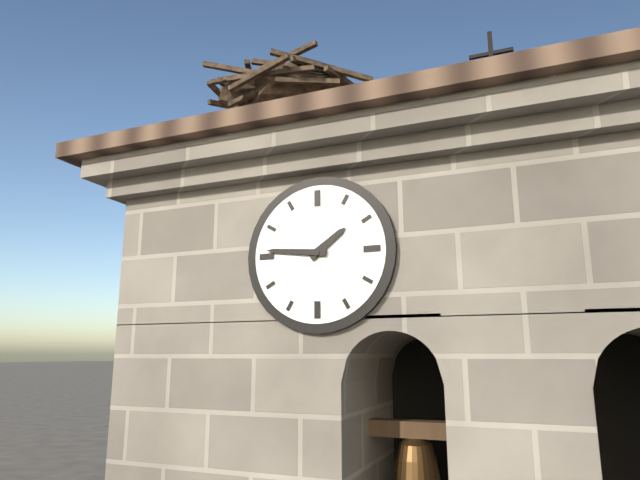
1:46
